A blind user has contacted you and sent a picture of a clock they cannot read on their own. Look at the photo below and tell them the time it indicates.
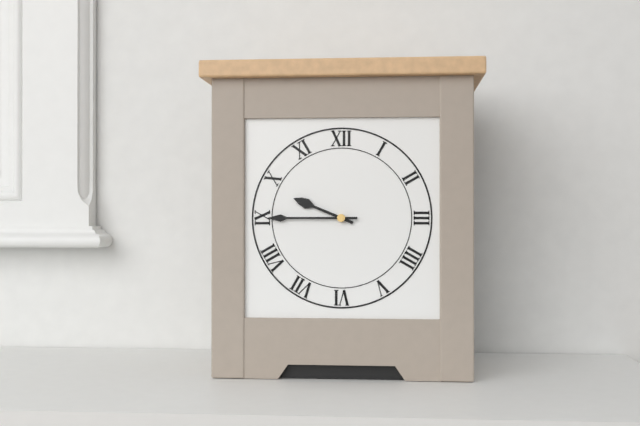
9:45
